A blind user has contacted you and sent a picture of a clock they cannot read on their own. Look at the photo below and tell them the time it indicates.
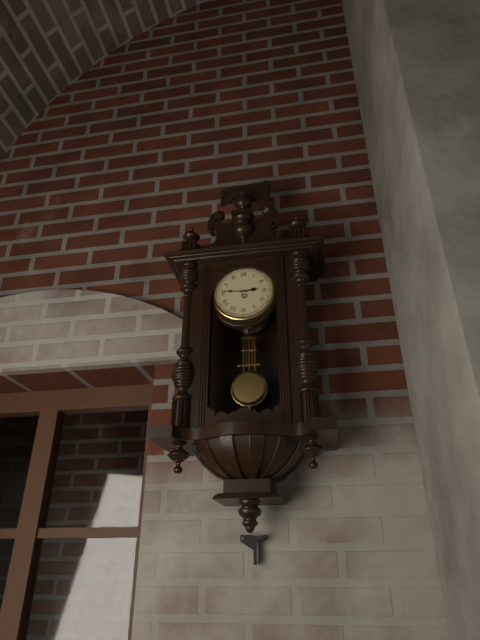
2:46
